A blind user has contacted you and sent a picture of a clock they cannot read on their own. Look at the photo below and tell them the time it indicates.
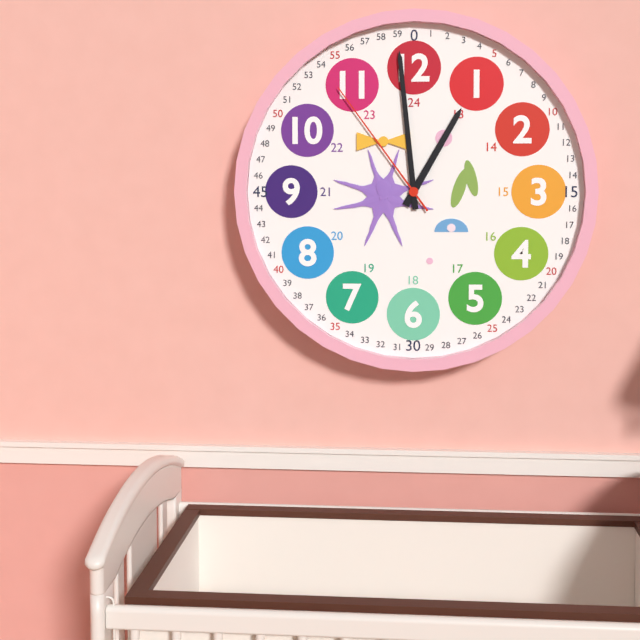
12:59:54
